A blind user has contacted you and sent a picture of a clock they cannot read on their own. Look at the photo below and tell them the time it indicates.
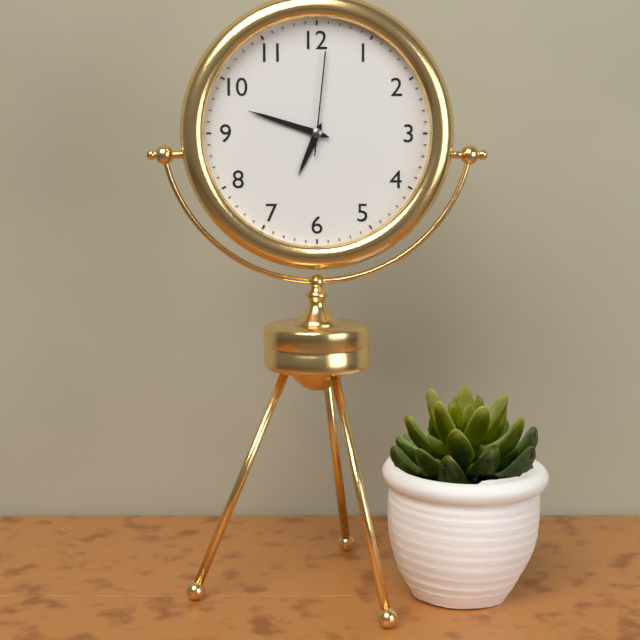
6:48:01
